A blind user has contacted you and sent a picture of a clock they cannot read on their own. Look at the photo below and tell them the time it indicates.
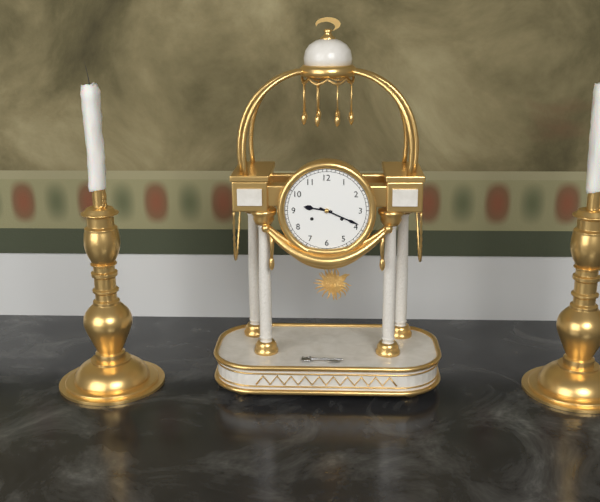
9:19
